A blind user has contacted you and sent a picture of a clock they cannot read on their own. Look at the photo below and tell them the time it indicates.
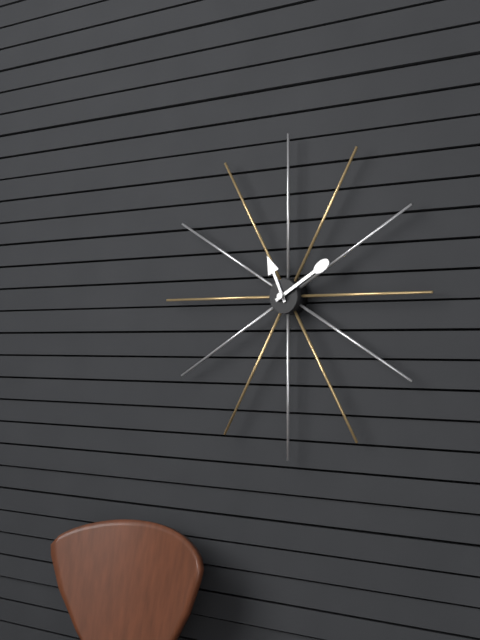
11:10
